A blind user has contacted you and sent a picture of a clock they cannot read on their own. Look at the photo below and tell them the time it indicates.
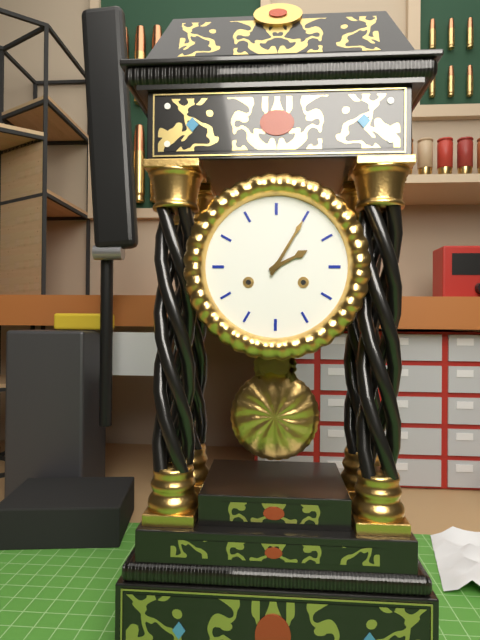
2:05
